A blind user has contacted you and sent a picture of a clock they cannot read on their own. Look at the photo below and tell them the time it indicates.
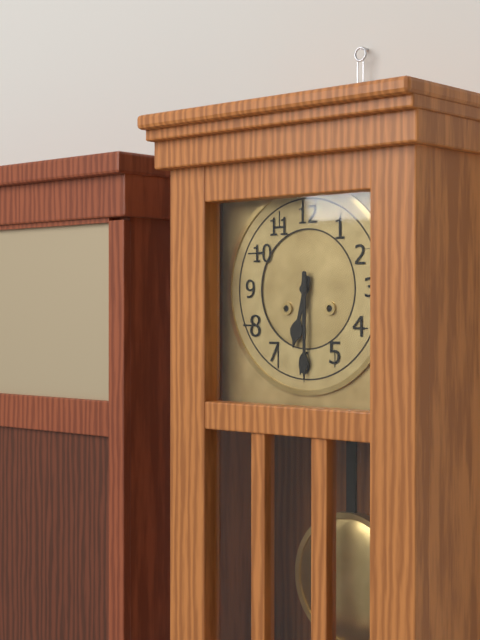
6:30
